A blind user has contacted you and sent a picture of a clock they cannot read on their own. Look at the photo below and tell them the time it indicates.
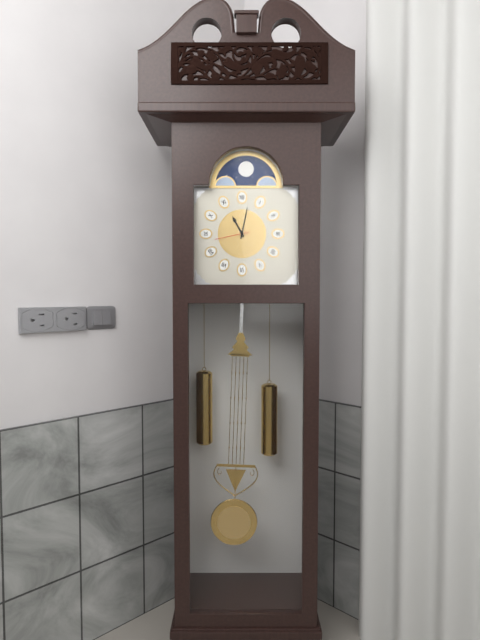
11:02
